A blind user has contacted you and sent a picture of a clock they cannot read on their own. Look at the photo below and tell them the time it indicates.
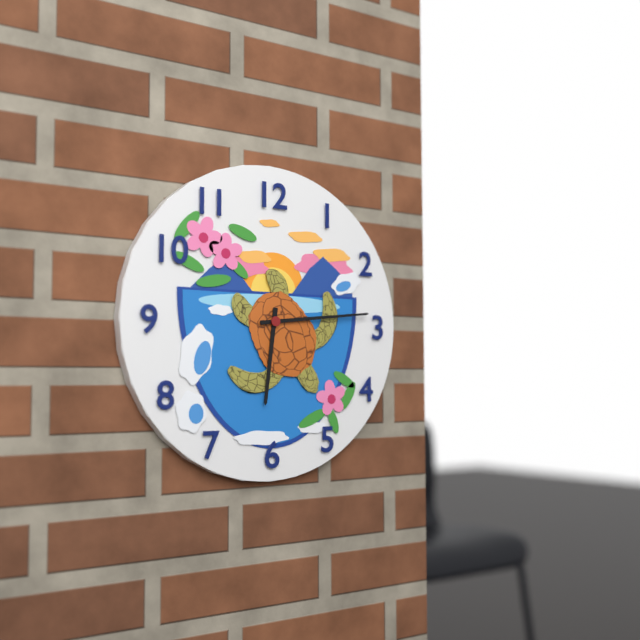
6:14
